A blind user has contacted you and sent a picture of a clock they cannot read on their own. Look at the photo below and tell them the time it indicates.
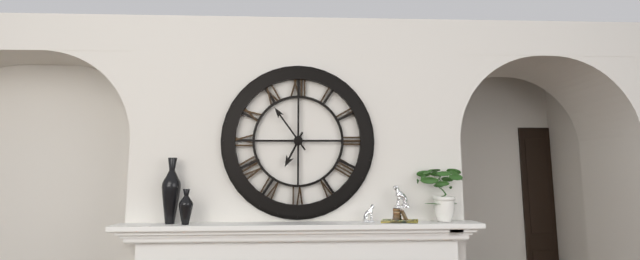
6:54
